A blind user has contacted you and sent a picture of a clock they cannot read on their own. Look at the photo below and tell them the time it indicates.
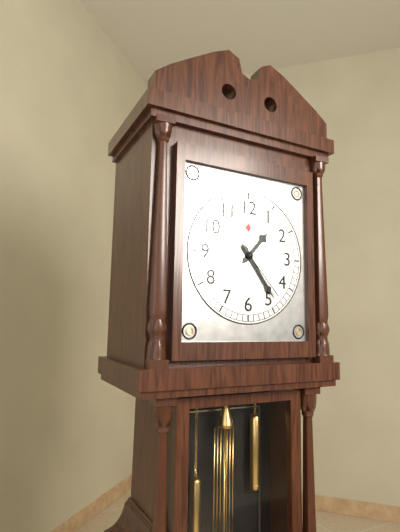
1:24:23
